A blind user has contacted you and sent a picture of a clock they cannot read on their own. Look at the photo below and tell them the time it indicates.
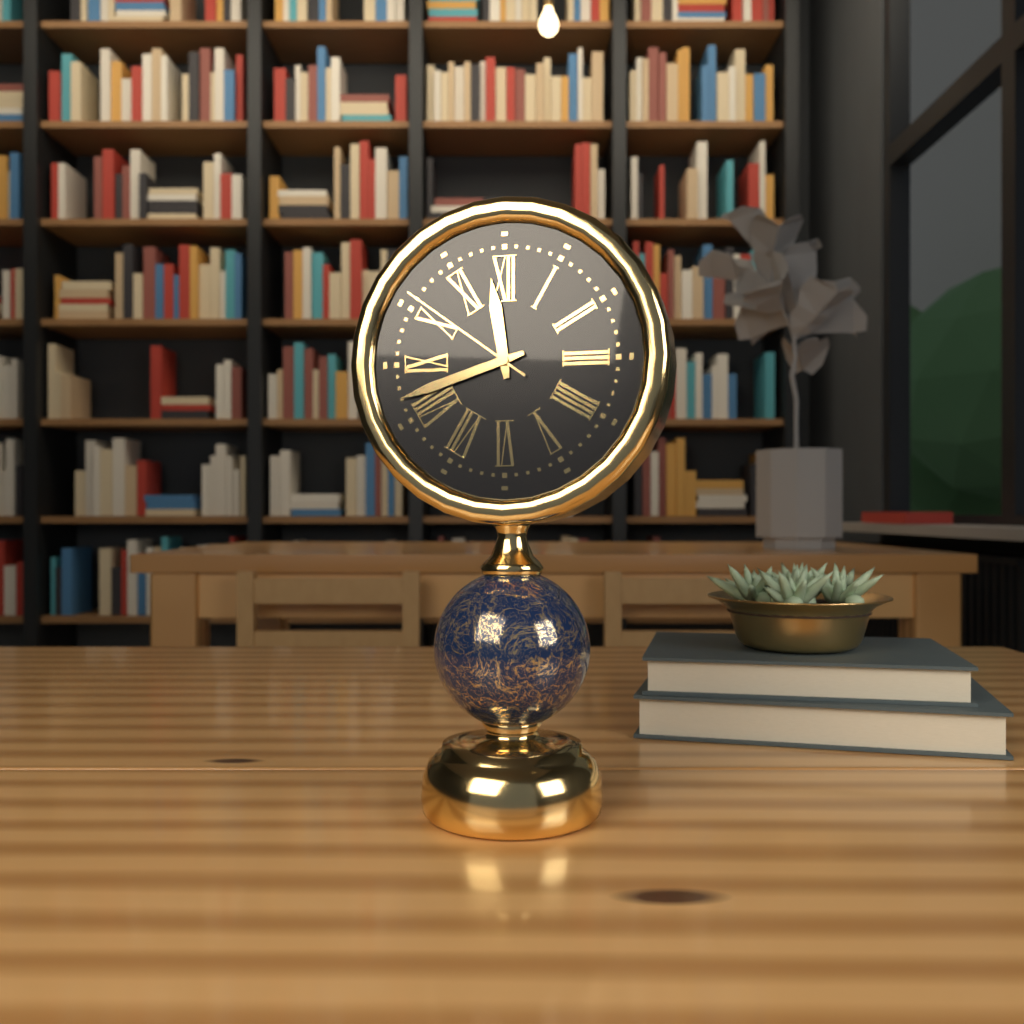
11:42:51
